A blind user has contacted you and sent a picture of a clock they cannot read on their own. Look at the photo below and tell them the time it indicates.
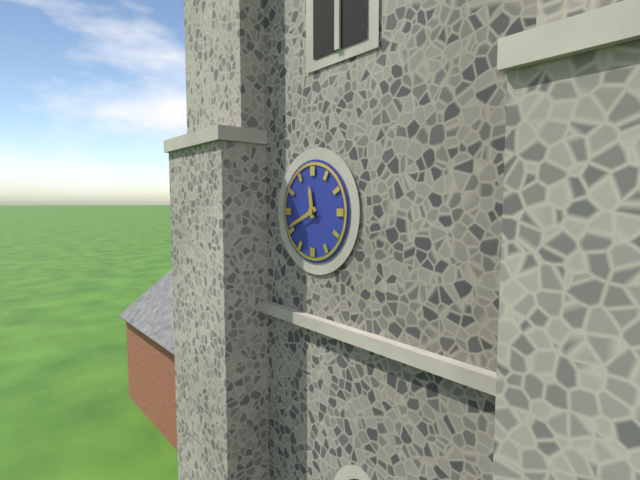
11:41
